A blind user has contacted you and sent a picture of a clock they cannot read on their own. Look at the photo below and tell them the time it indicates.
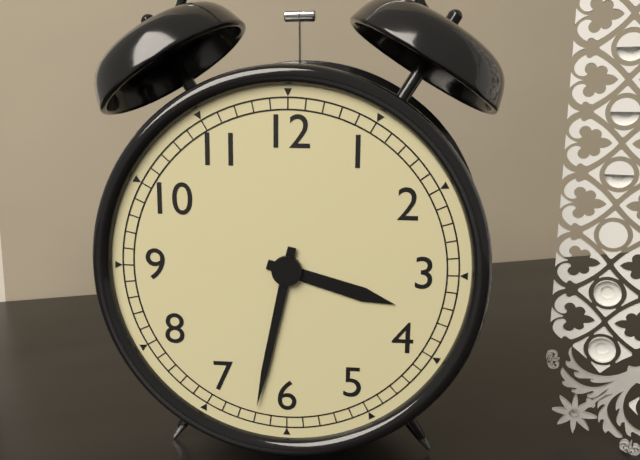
3:32
